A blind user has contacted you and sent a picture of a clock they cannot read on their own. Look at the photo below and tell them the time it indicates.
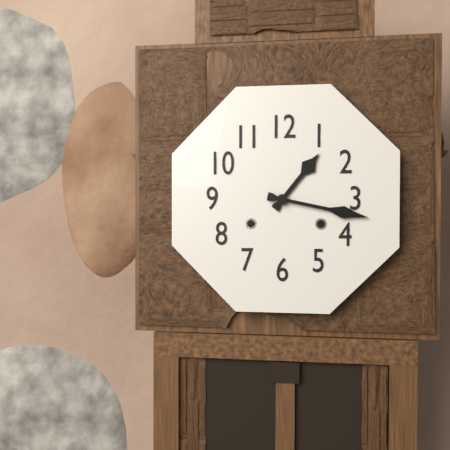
1:17
